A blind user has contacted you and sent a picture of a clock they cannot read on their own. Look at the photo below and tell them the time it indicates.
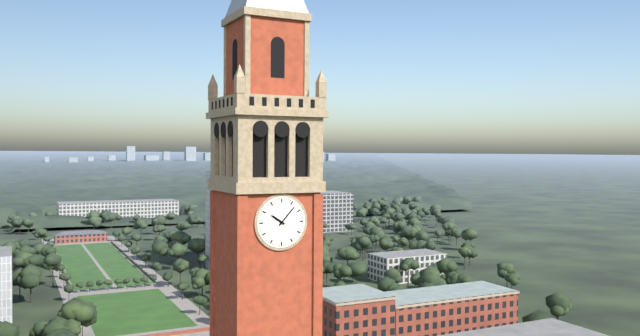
10:07
